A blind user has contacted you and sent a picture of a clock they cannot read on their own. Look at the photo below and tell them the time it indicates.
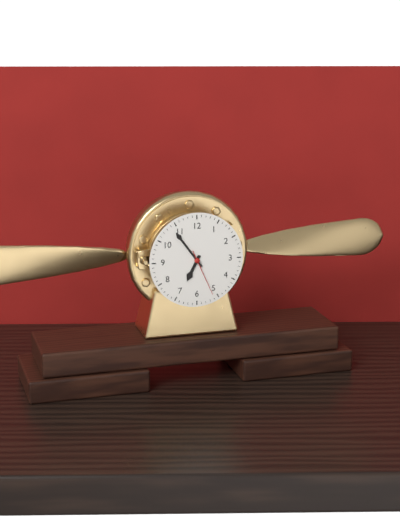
6:54
